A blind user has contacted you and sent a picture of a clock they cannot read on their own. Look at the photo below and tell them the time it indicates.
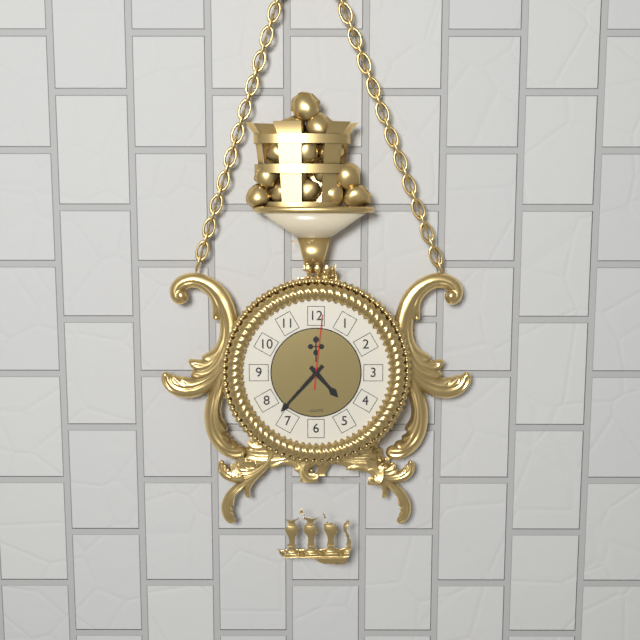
4:37:01
